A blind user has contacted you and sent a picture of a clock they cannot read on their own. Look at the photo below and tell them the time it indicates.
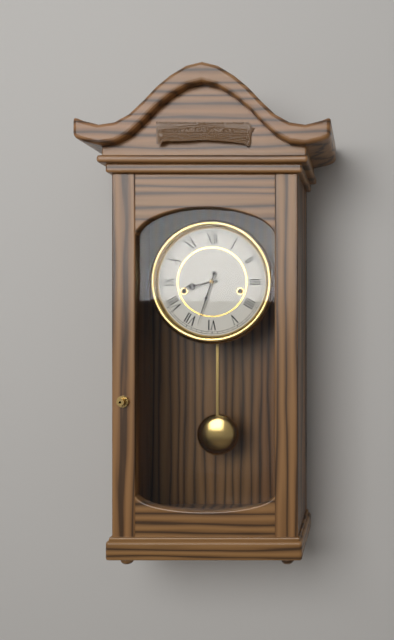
8:33
